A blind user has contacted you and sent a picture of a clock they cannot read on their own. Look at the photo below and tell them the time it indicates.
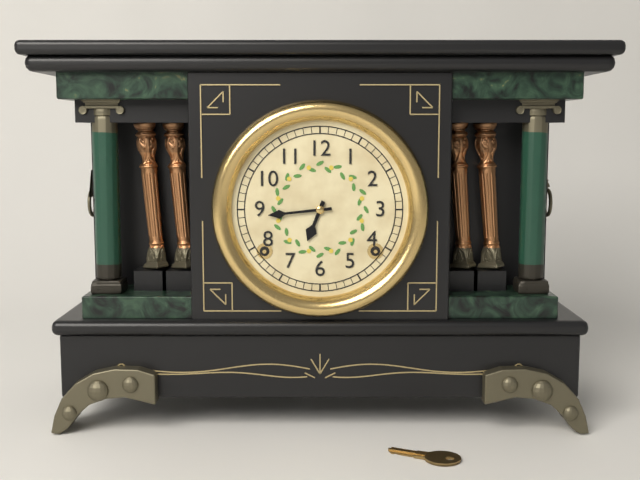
6:44
